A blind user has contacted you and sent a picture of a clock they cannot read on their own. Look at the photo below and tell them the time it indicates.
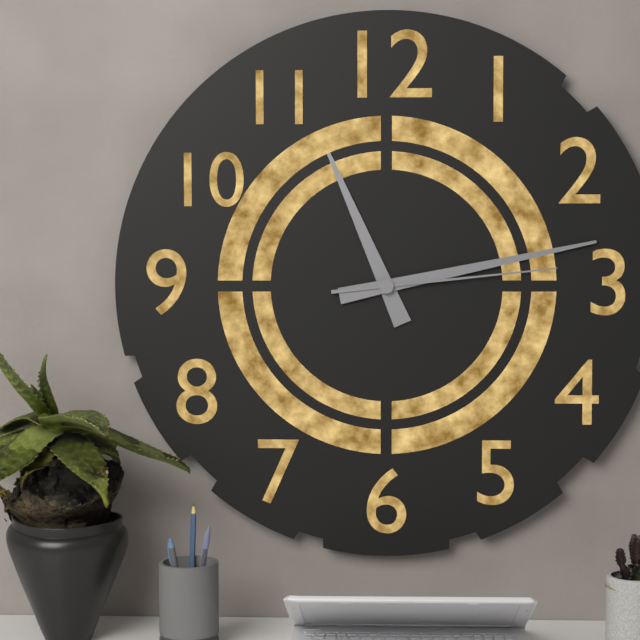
11:13:14
